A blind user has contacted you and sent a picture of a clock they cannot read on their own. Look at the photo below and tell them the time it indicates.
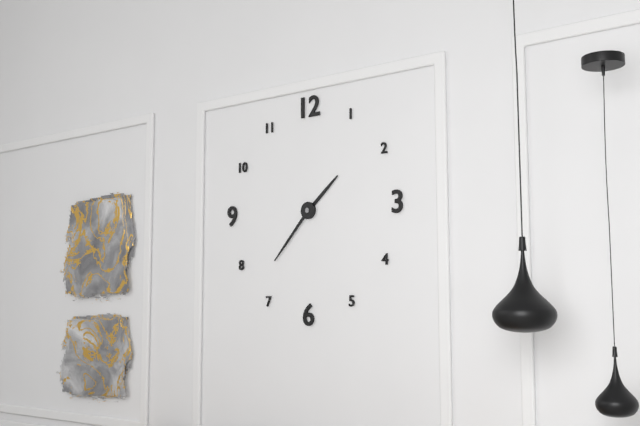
1:37
